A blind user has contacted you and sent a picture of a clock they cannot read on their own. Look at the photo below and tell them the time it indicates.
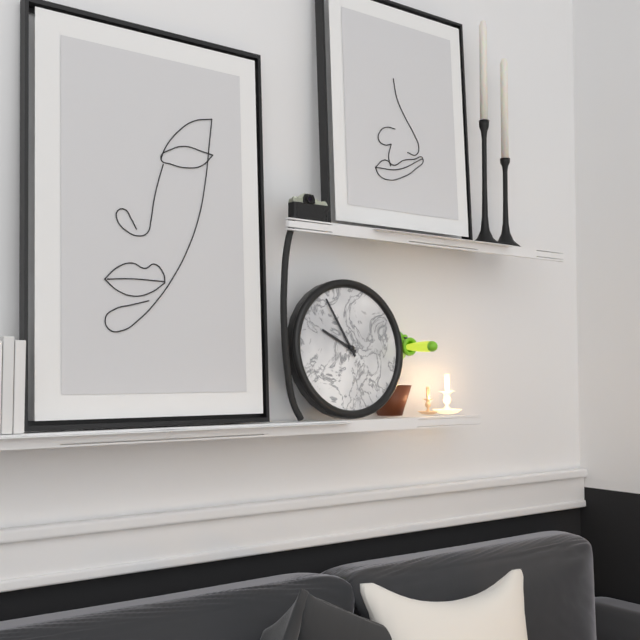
9:55
